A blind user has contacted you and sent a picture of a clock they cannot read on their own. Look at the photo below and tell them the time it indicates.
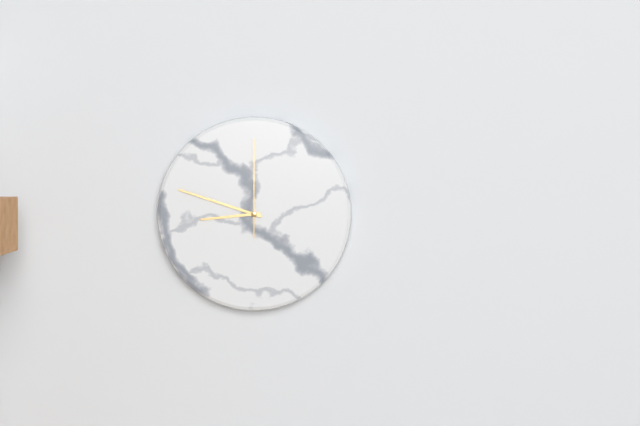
8:48:00
